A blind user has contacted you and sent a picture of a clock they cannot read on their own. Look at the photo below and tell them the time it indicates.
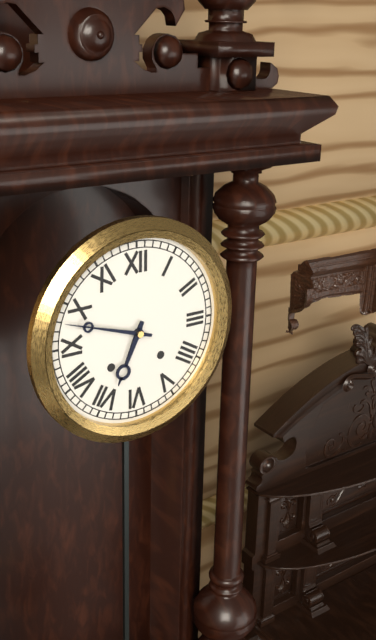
6:48
